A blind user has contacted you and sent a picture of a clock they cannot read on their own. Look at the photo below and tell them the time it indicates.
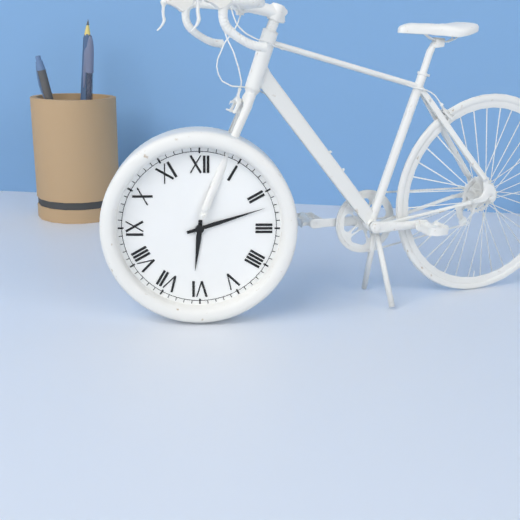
6:12
